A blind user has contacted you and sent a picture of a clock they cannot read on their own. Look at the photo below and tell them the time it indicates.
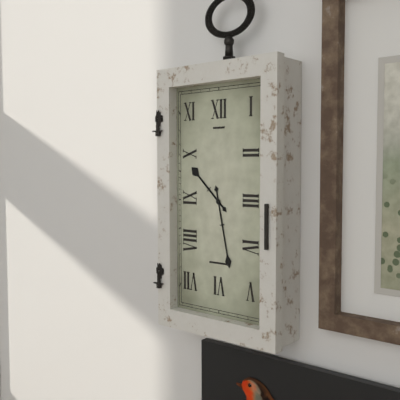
10:28
